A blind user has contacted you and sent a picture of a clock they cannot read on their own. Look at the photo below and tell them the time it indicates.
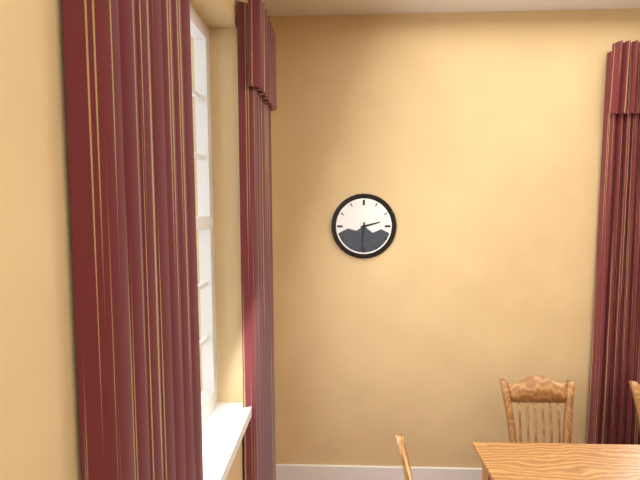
2:31
